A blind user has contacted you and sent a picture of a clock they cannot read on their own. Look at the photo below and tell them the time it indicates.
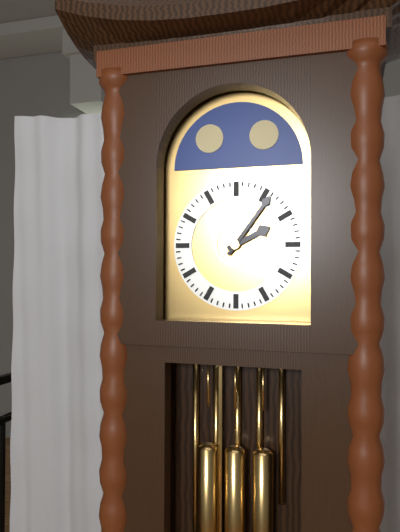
2:06
